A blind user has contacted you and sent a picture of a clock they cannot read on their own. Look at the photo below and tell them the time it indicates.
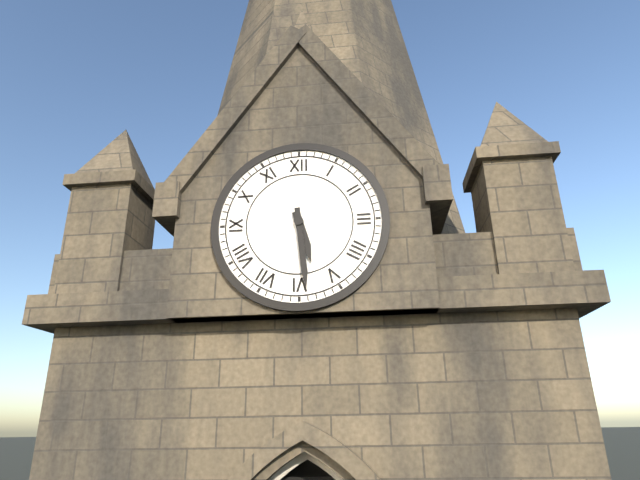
5:29
